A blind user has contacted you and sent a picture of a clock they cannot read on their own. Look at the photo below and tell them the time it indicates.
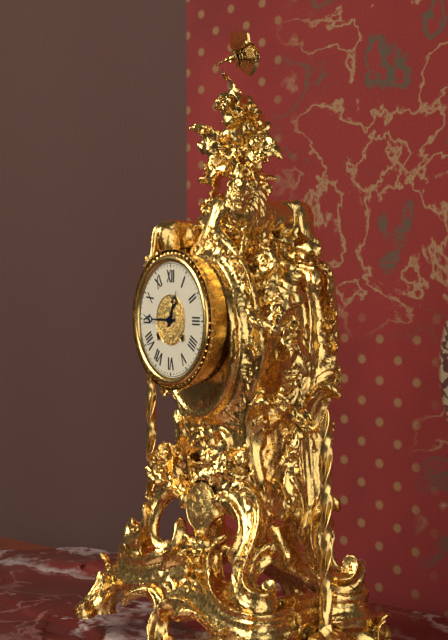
12:45
